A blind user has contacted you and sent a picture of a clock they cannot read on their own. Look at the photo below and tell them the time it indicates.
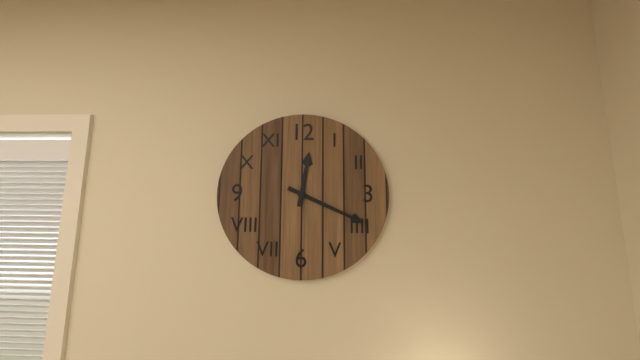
12:19
